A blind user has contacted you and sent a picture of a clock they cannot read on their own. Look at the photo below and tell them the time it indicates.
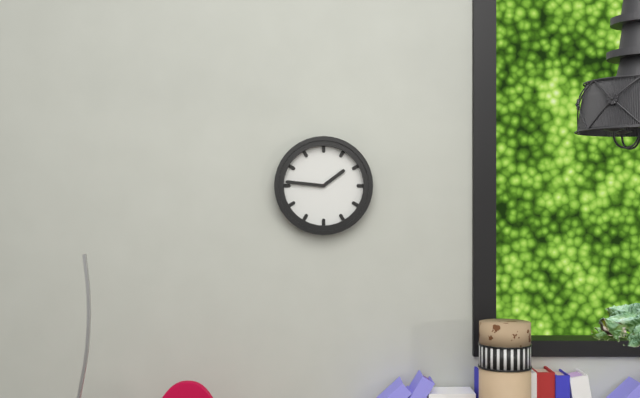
1:46
